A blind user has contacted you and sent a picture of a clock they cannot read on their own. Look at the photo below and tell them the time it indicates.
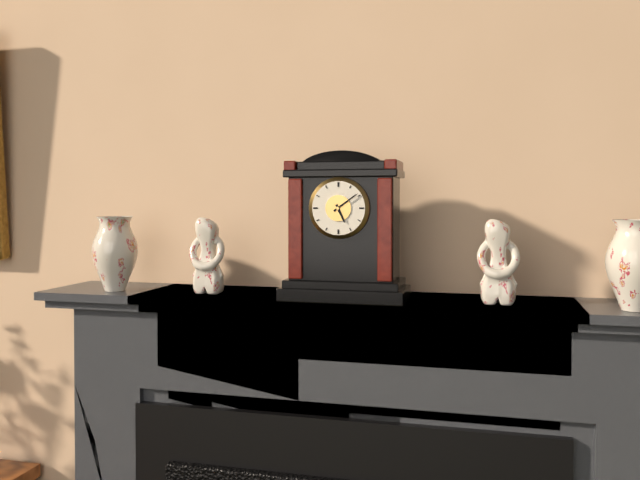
5:09
